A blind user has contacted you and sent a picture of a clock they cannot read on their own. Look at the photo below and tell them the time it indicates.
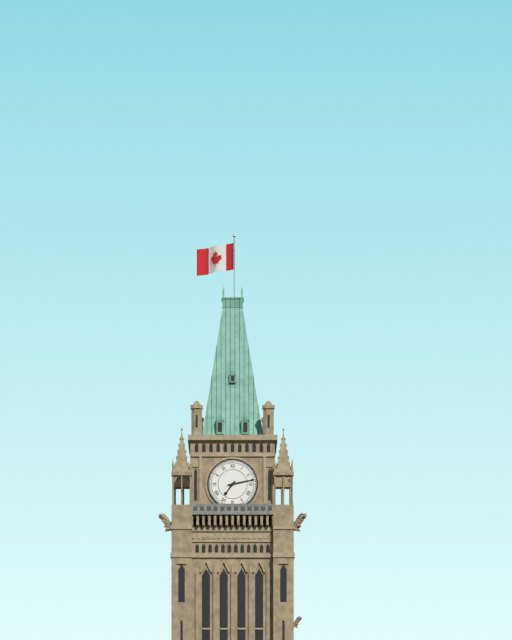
7:13
